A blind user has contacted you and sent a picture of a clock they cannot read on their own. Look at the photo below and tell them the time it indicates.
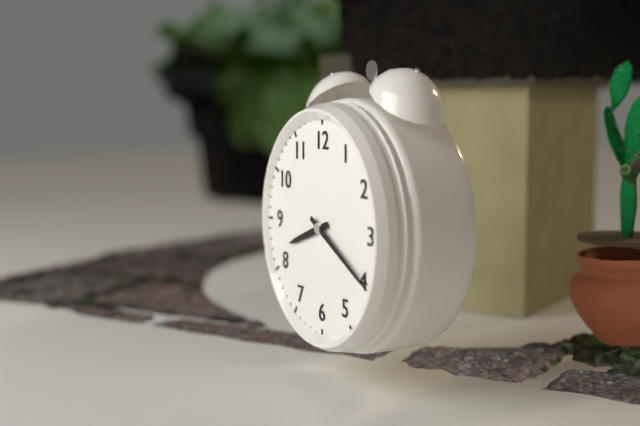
8:20
